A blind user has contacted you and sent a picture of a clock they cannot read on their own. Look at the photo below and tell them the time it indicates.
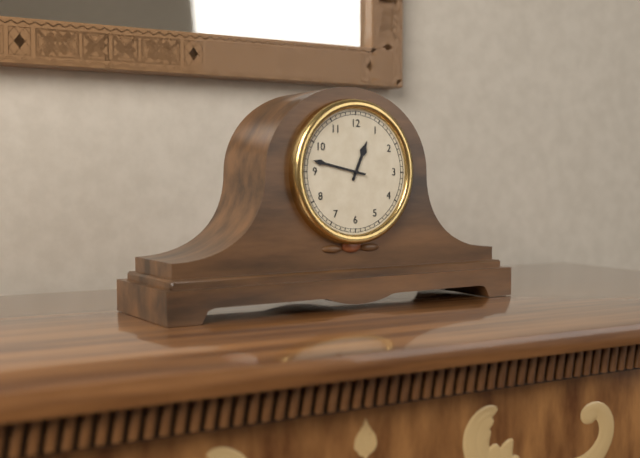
12:47
